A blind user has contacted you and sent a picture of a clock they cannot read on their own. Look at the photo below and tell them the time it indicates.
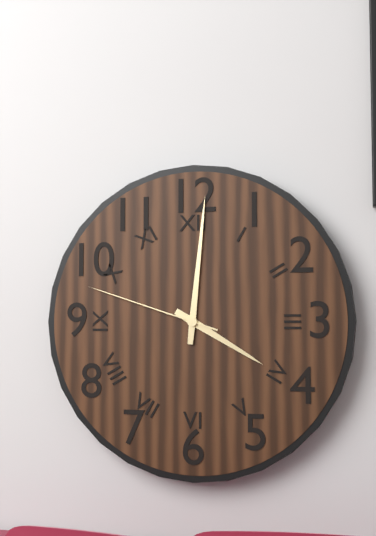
4:01:48
